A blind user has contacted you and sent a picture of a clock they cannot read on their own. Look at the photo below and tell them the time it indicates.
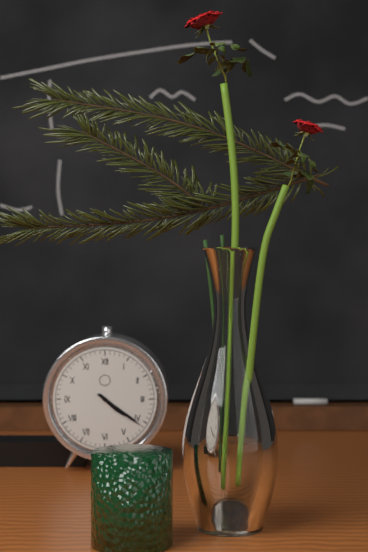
4:21
